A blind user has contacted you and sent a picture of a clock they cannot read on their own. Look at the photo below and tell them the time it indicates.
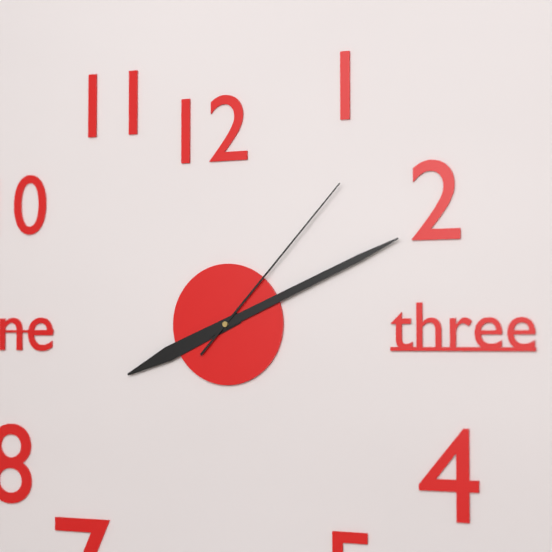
8:11:07
